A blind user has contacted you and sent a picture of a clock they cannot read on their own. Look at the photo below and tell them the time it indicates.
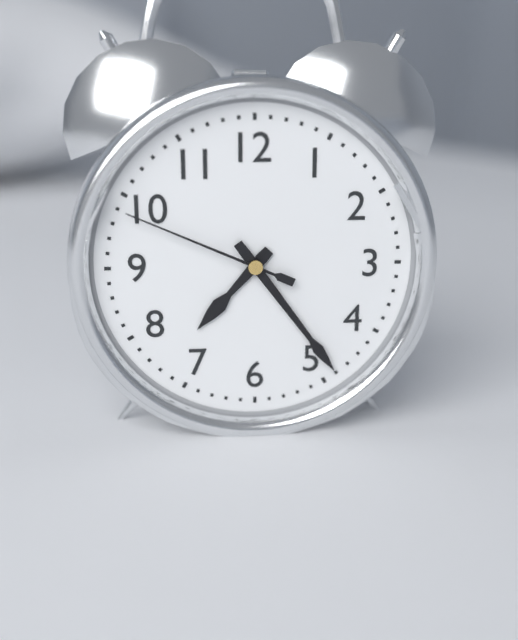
7:24:49
